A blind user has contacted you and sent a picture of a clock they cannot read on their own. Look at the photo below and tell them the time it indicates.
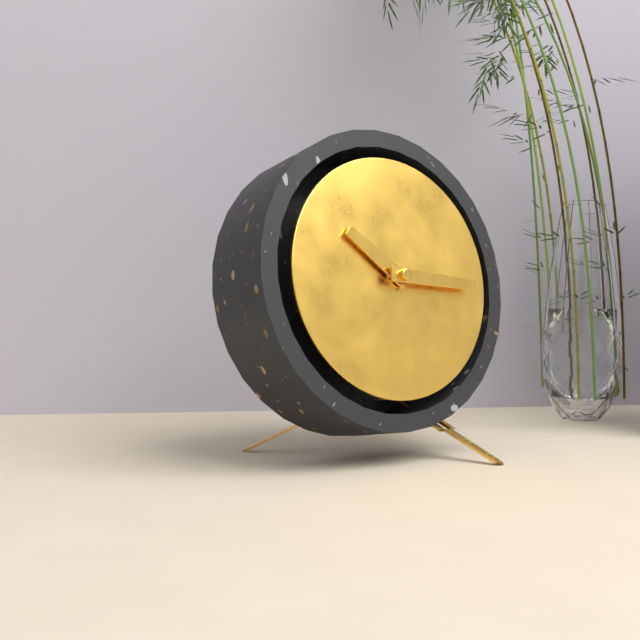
10:16
